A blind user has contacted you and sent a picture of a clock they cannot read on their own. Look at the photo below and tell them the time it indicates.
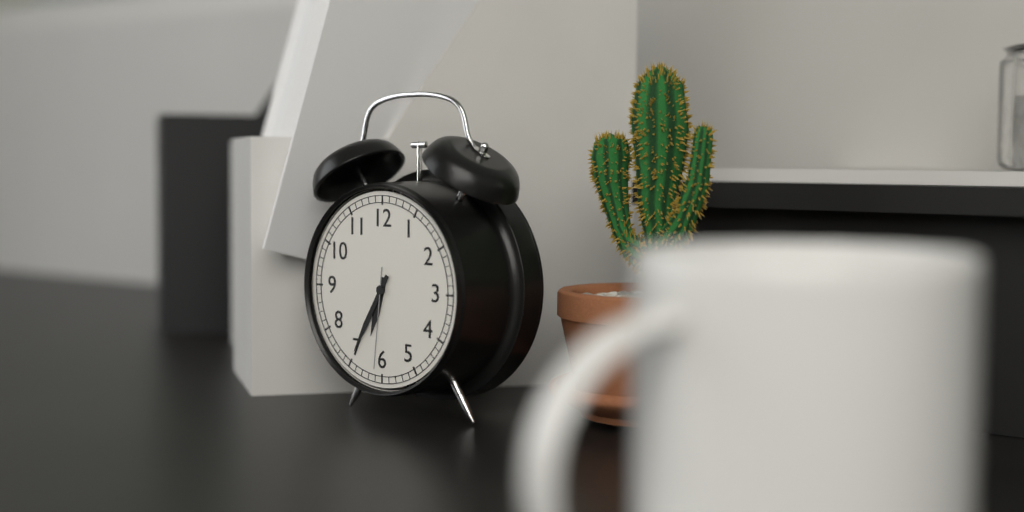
6:35:31
